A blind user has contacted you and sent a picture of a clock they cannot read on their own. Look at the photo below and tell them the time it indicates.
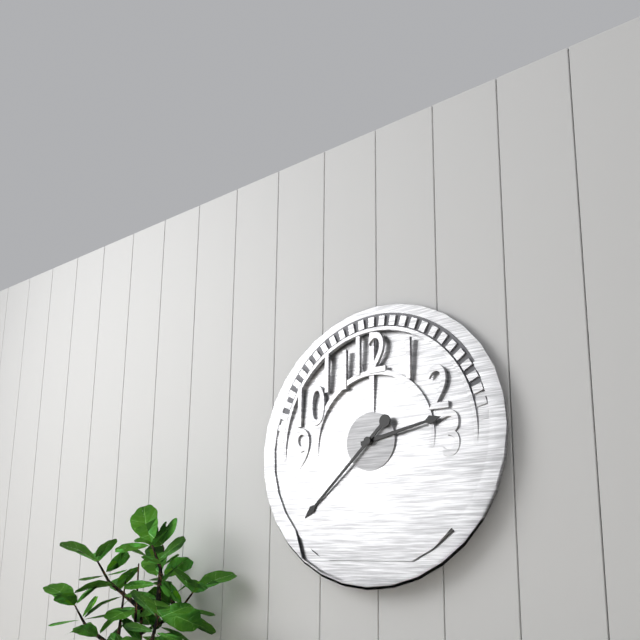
2:38
